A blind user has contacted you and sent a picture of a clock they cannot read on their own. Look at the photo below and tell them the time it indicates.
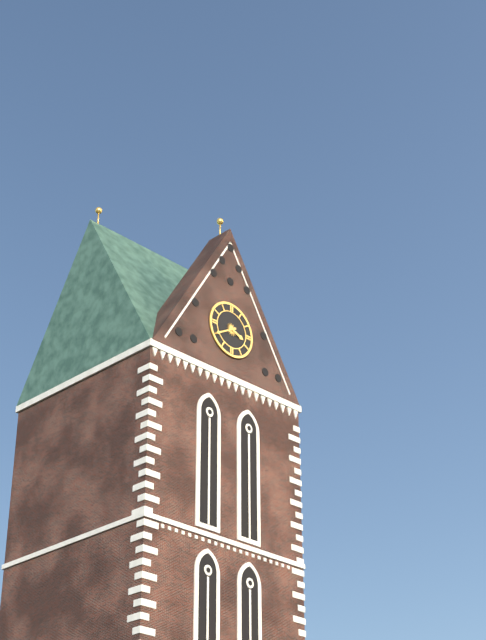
3:40
